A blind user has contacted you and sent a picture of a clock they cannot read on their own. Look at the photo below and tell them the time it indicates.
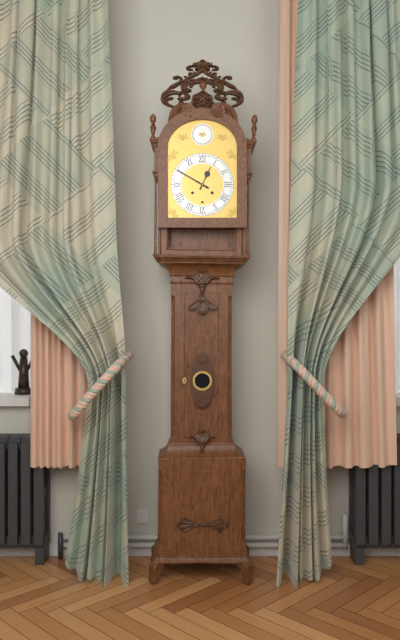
12:50
